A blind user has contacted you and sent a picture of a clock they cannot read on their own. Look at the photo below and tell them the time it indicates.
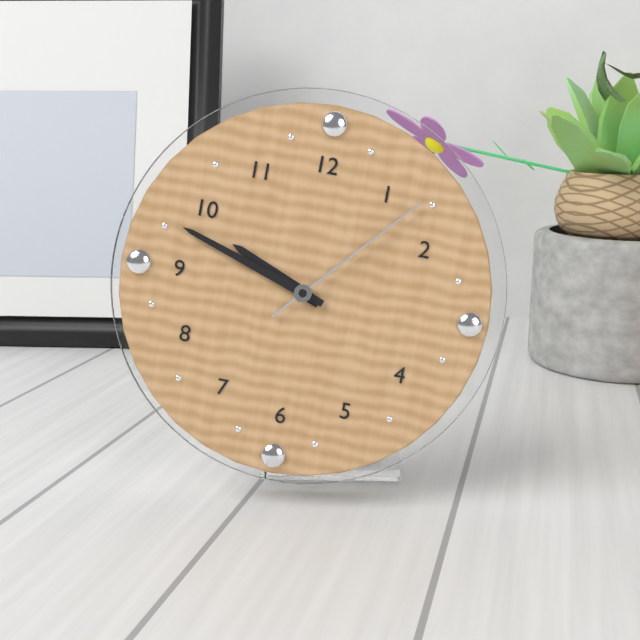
9:48:07
